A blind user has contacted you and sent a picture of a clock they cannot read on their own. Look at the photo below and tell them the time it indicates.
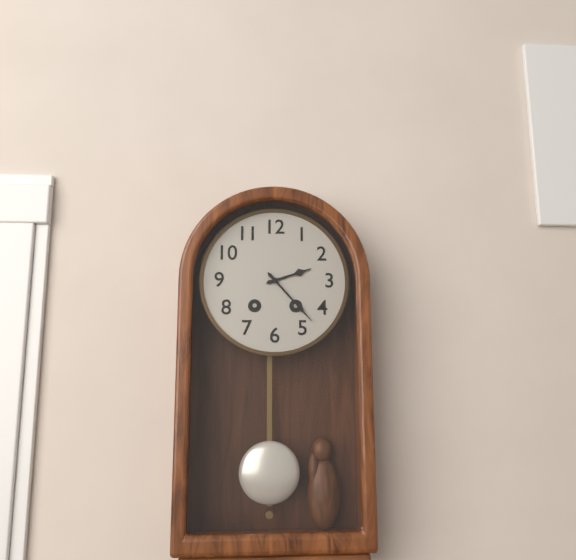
2:23
